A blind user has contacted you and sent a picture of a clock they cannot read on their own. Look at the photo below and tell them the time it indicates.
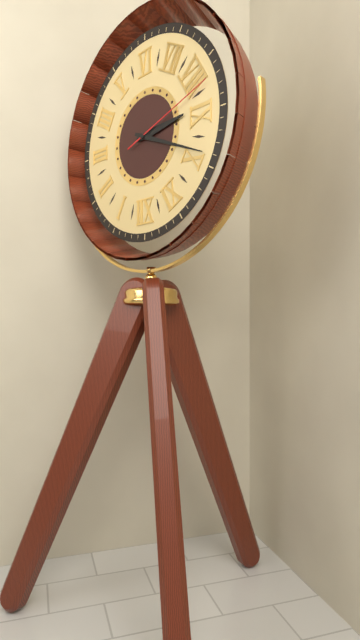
8:49:42
